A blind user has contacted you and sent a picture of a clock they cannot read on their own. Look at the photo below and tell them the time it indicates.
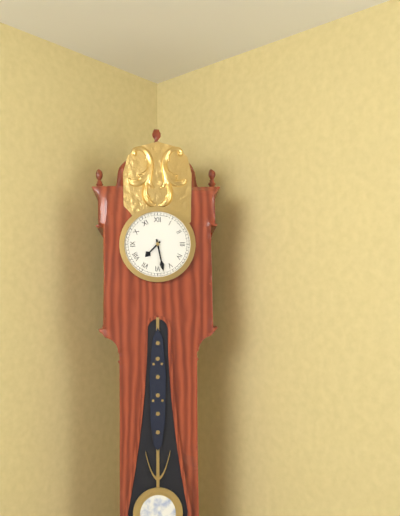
7:28
